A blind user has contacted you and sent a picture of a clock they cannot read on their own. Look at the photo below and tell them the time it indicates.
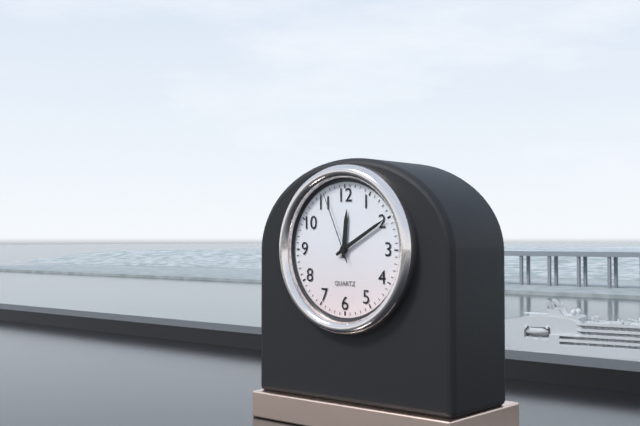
12:10:56
